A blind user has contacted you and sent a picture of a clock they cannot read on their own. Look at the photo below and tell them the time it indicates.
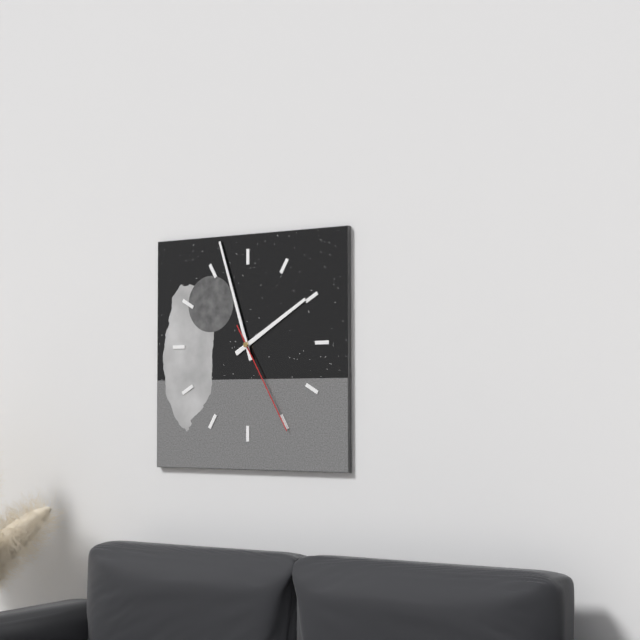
1:57:25
